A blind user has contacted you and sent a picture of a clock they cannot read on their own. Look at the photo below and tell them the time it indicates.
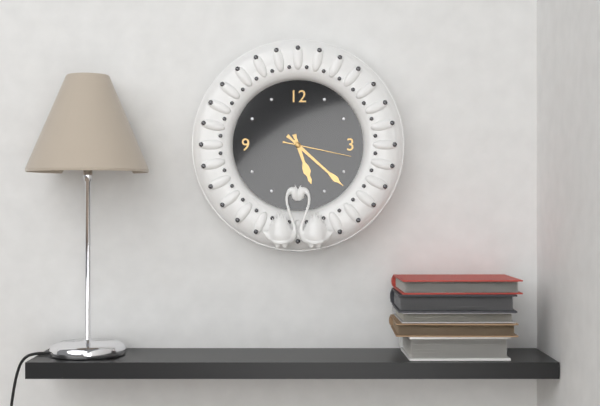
5:22:17
